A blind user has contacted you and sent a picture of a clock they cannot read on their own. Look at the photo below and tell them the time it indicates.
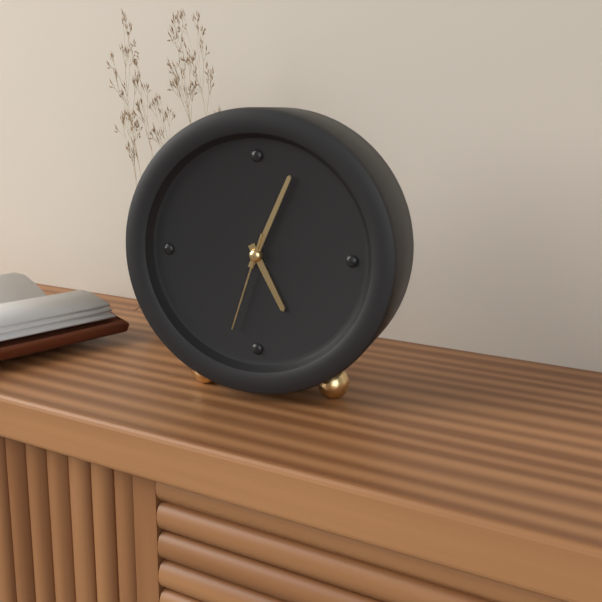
5:04:33
